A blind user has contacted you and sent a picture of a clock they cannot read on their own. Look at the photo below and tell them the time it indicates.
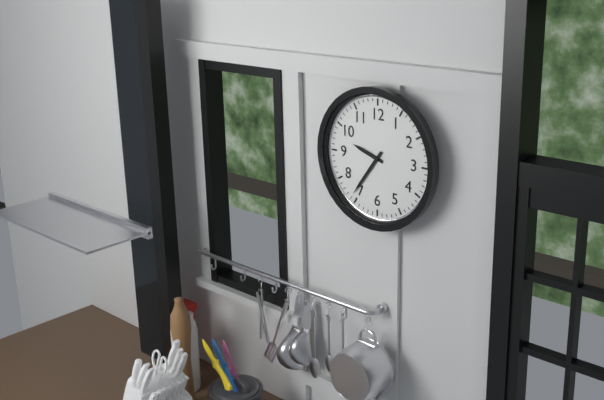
9:36
